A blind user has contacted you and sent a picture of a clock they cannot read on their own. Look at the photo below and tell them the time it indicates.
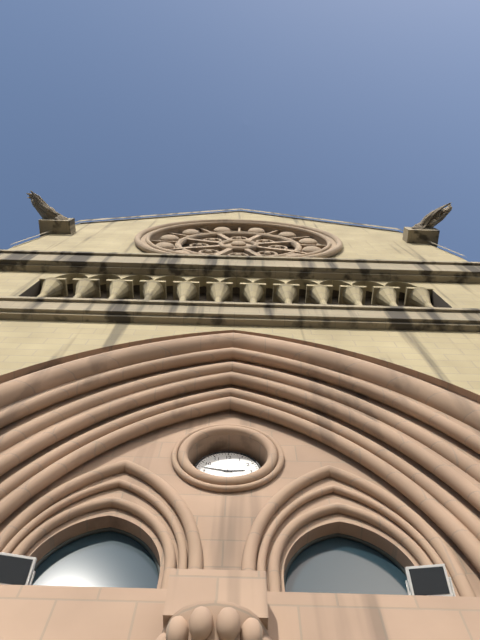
2:47
